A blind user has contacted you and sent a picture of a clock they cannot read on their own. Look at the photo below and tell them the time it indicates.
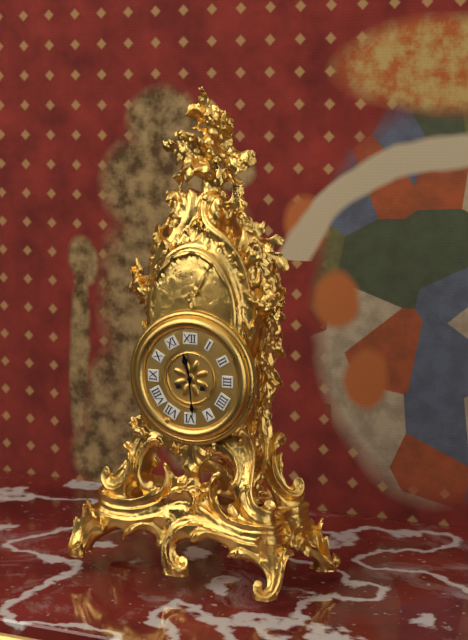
11:29
